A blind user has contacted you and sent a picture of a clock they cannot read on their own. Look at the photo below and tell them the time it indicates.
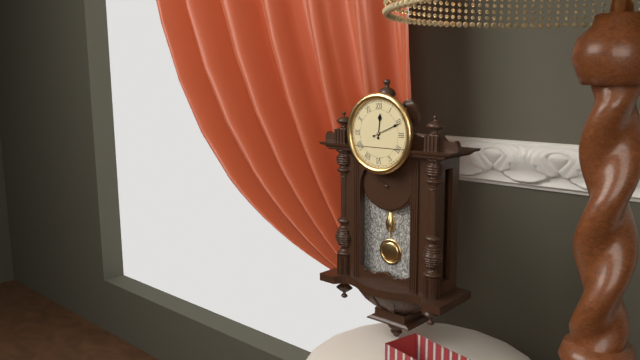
12:11
